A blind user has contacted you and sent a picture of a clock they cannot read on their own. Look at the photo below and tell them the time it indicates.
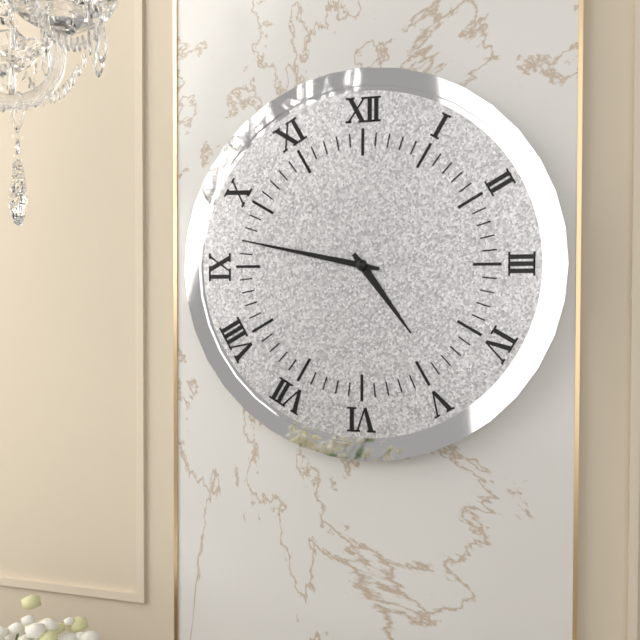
4:47
